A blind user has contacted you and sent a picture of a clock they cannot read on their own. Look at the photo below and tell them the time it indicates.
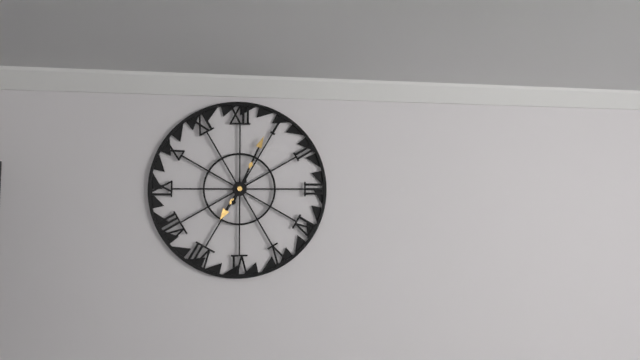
7:04
